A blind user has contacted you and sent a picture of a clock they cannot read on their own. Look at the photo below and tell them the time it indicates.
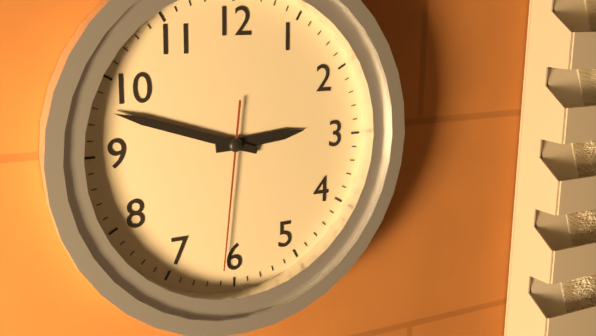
2:48:31
